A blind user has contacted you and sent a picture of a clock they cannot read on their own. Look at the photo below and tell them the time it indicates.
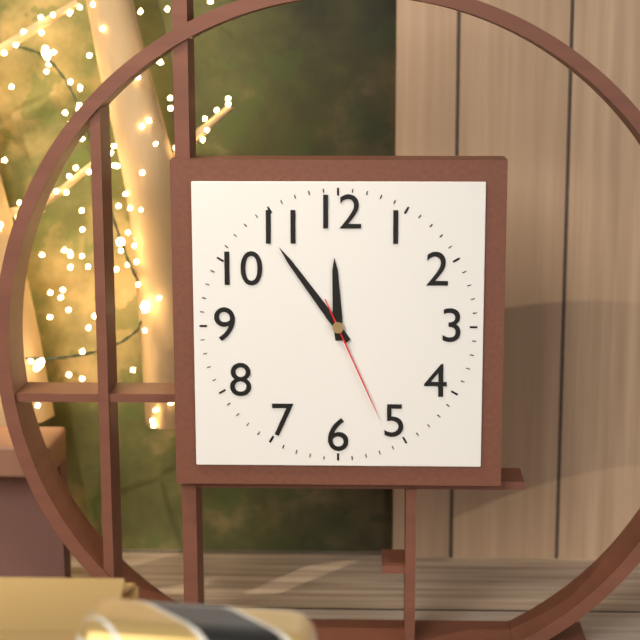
11:54:26
